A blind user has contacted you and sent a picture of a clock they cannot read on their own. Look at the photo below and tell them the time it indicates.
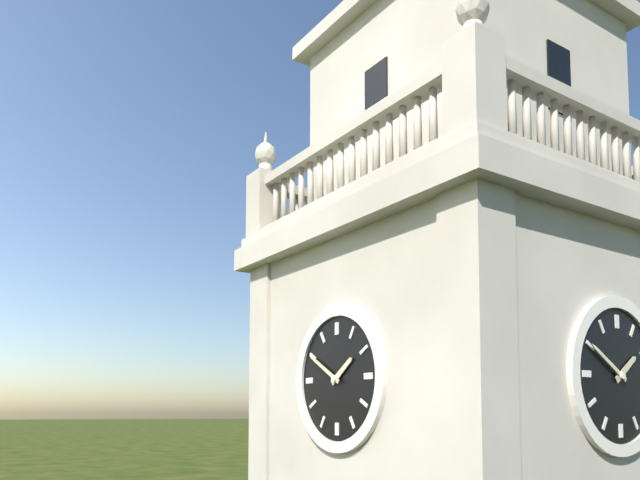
1:50
